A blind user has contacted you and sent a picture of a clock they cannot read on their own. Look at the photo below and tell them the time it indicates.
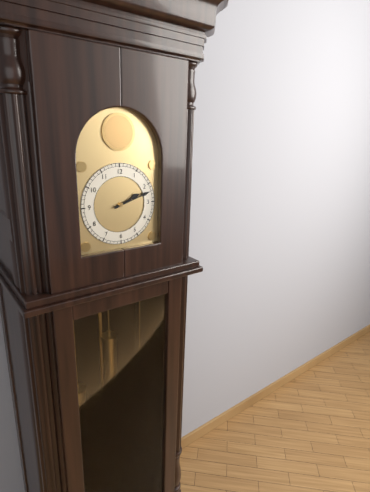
2:12
